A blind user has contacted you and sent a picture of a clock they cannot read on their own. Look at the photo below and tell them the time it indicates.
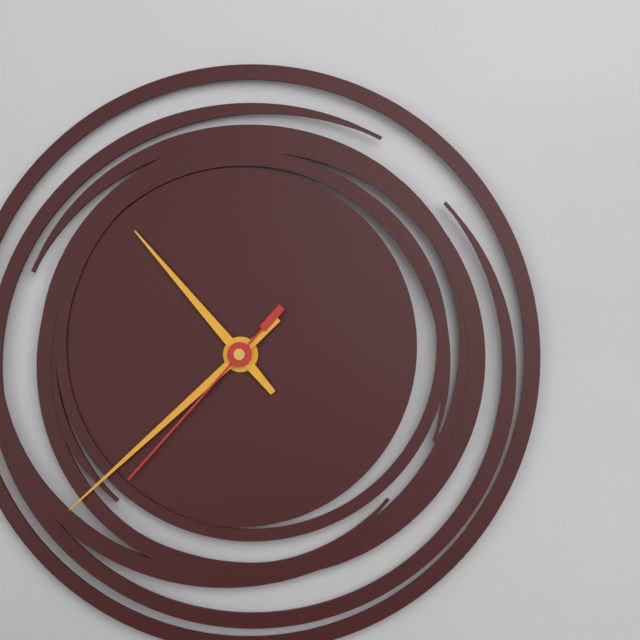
10:38:37
